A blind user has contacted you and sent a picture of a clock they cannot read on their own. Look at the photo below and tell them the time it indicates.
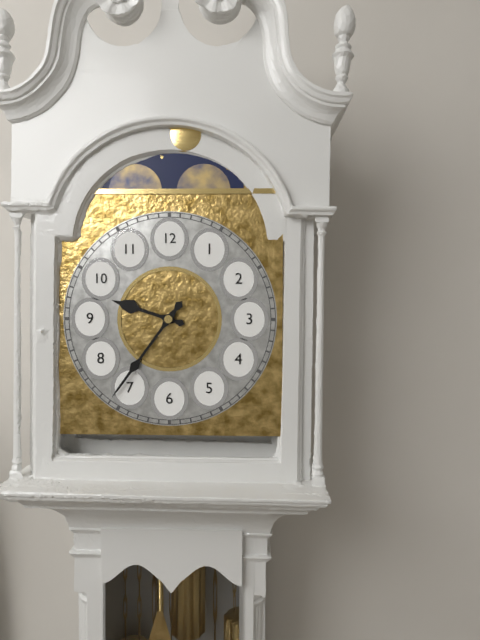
9:36
